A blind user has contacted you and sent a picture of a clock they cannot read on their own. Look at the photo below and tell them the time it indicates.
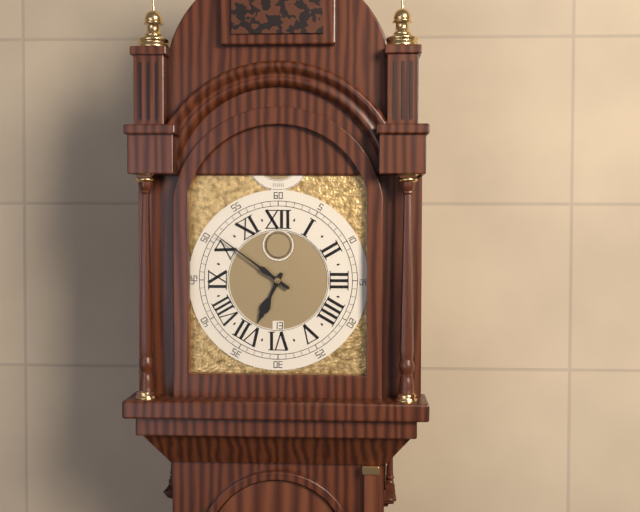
6:51
